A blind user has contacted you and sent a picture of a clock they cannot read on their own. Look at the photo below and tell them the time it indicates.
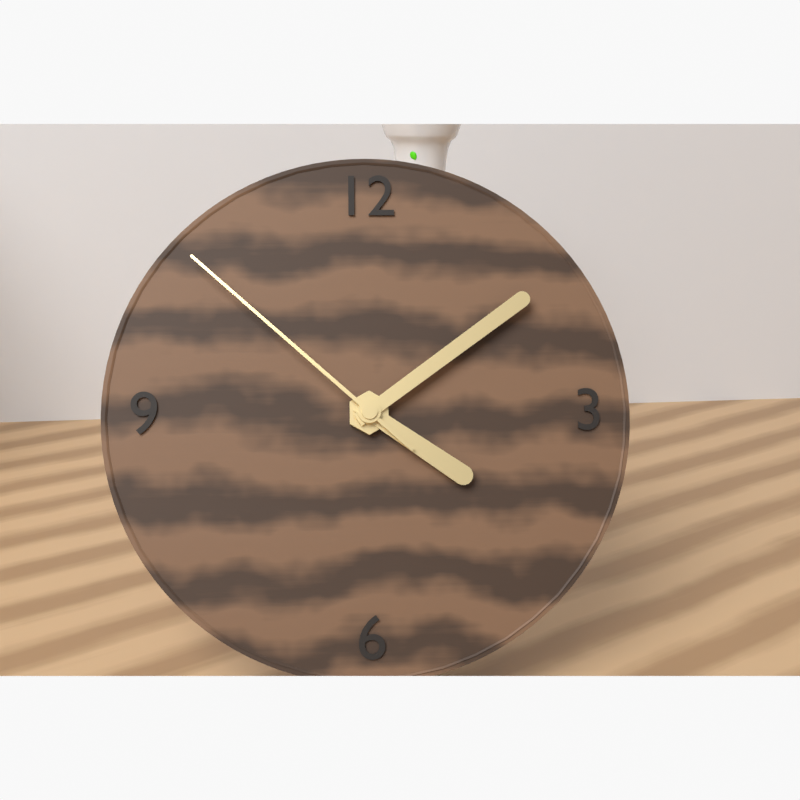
4:09:52
